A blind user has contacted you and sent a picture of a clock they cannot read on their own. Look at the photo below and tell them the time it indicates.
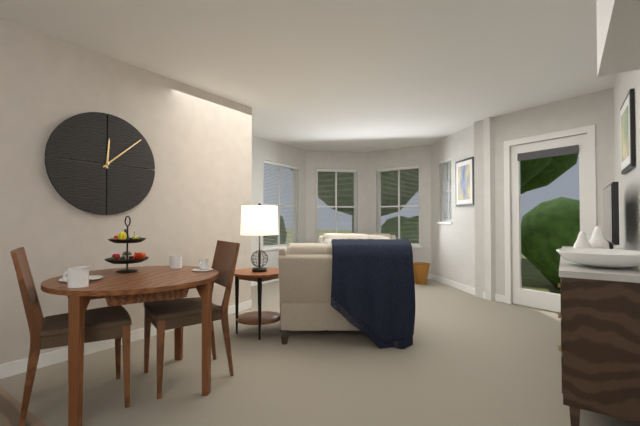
12:08
